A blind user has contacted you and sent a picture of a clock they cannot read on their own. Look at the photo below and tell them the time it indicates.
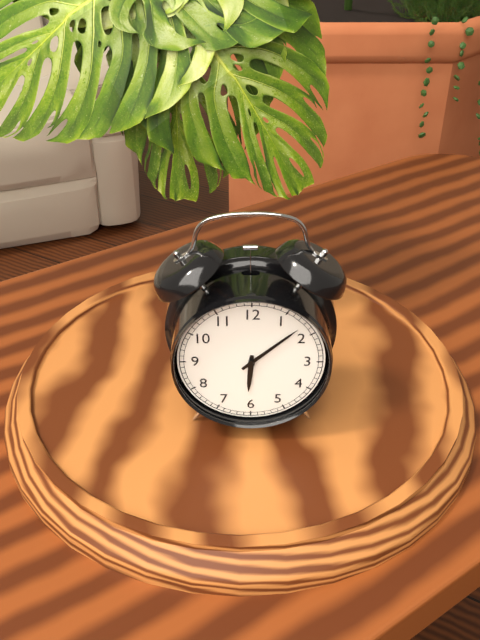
6:08
